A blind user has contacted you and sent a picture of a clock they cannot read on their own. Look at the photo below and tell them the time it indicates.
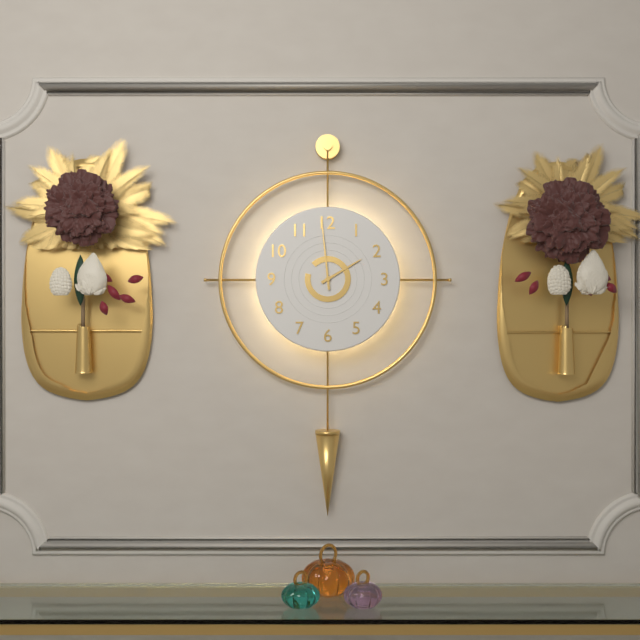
1:59
